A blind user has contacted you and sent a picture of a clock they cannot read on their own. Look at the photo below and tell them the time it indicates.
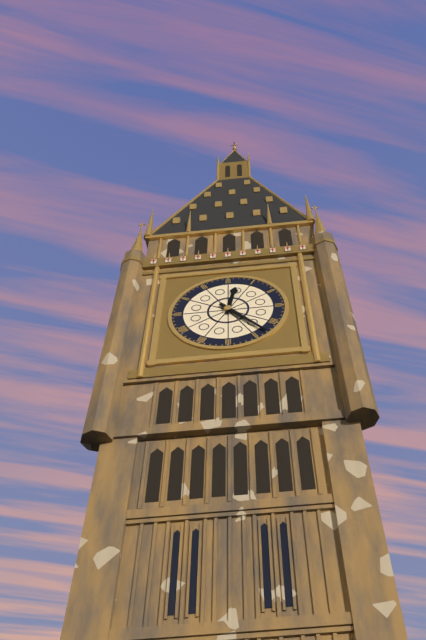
12:23
